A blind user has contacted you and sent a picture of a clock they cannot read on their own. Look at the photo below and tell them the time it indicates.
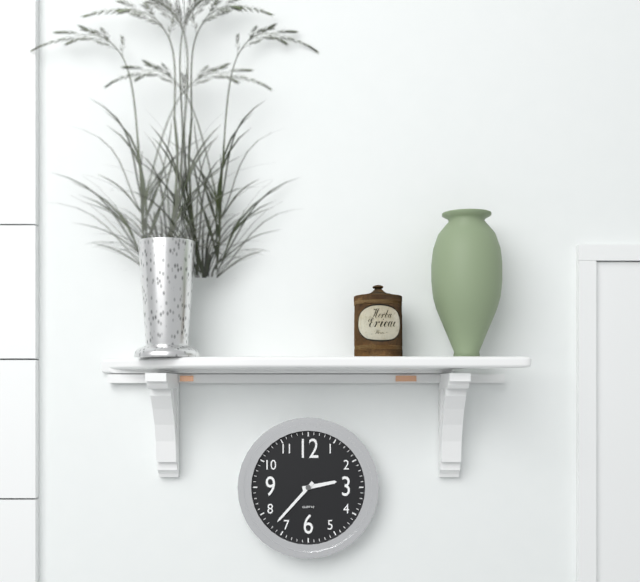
2:37
